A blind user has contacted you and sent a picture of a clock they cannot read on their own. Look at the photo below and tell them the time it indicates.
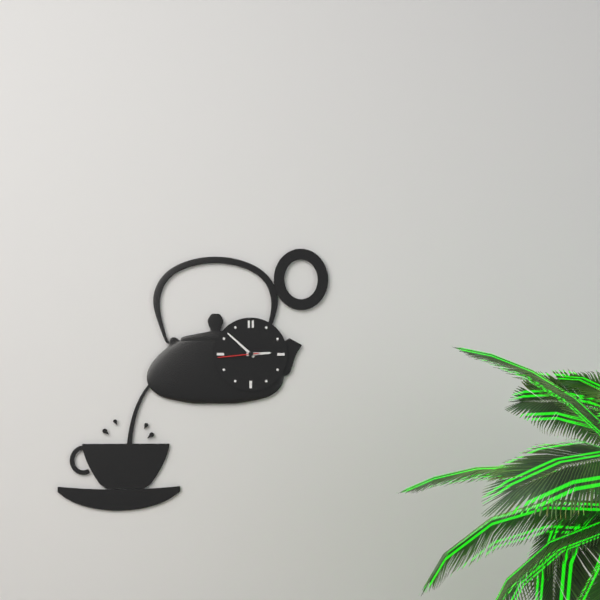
2:52
